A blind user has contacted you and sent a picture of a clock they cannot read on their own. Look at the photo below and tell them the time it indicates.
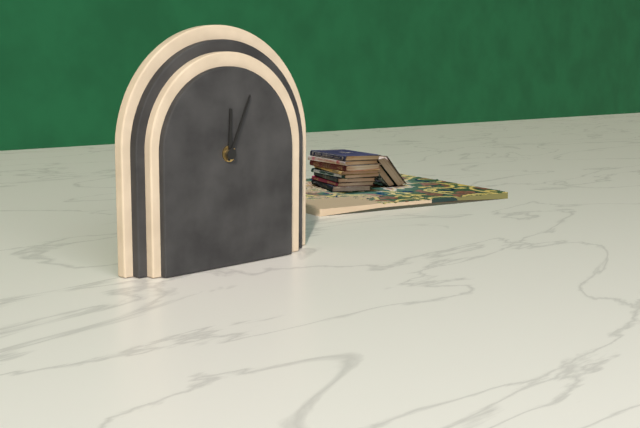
12:04
